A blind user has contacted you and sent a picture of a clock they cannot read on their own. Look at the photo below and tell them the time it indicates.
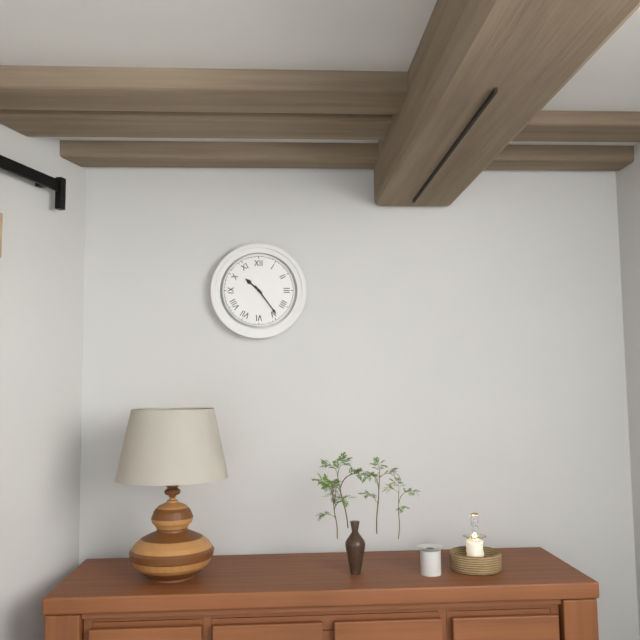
10:24
